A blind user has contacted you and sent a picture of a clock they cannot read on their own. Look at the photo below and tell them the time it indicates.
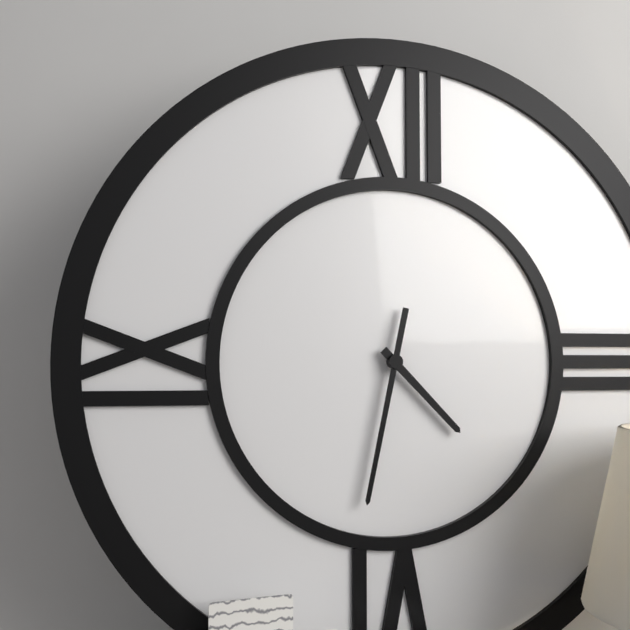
4:32
